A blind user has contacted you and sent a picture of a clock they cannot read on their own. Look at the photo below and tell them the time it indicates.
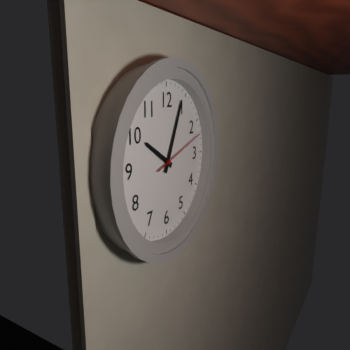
10:04:12
